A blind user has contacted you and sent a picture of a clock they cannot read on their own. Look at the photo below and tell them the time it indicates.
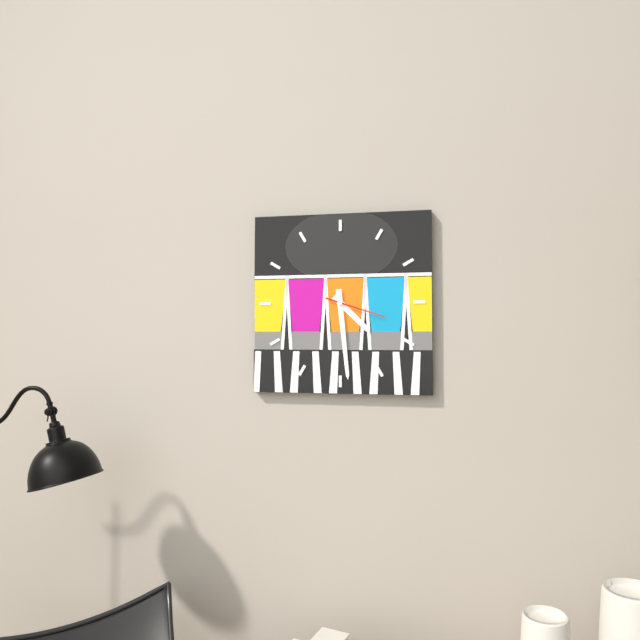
4:29:18
